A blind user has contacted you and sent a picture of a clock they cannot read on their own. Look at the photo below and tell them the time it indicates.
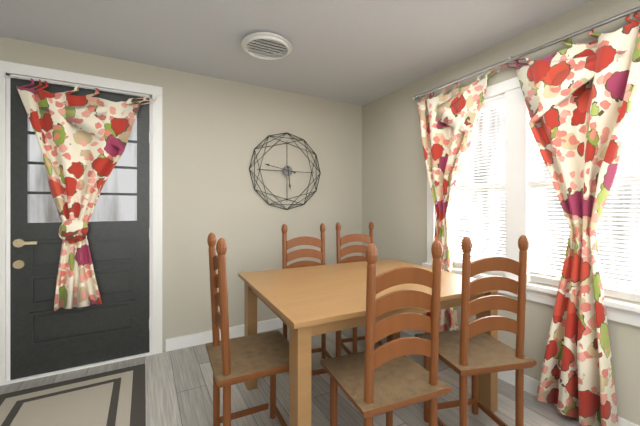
5:47
